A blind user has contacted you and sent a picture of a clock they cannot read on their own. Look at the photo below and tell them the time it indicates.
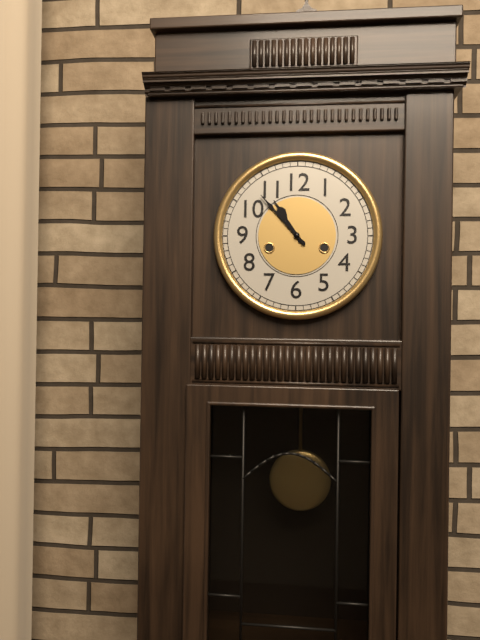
10:53
